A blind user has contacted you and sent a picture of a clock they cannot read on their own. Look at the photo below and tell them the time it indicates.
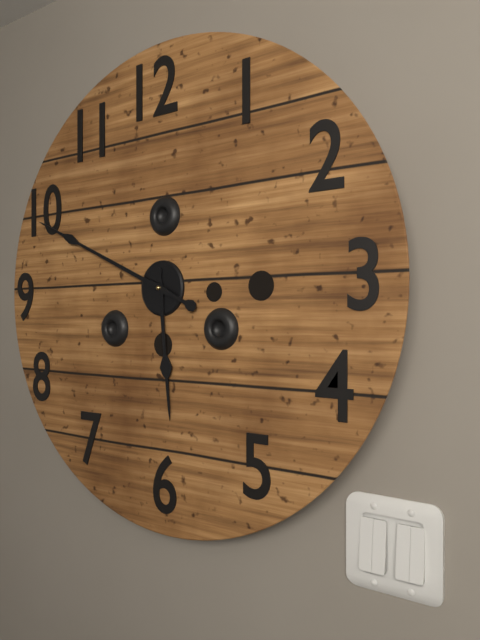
5:49
